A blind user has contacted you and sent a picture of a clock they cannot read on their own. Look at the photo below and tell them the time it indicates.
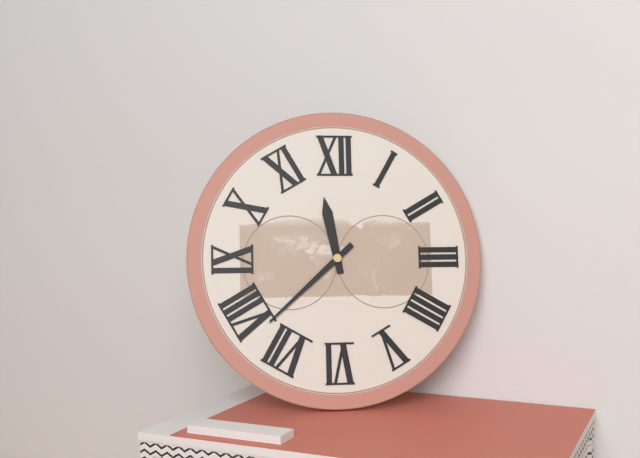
11:38
